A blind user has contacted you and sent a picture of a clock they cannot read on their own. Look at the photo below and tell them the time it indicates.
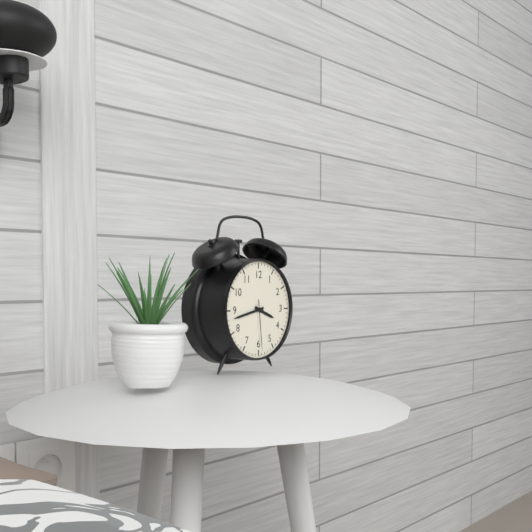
3:43:29
